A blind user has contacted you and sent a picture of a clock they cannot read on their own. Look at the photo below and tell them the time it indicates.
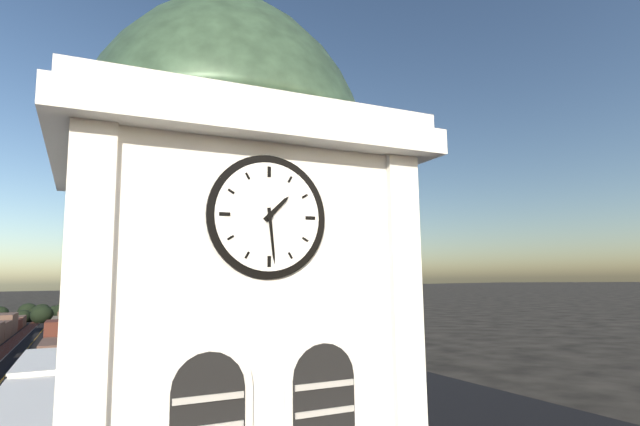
1:29
